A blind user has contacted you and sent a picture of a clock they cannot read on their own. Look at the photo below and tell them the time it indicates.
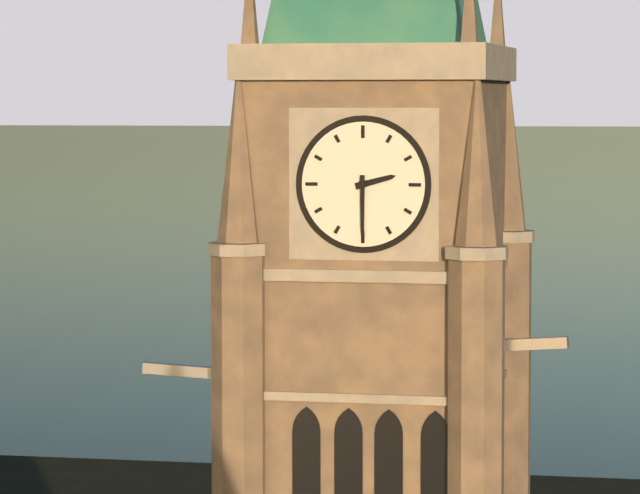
2:30
